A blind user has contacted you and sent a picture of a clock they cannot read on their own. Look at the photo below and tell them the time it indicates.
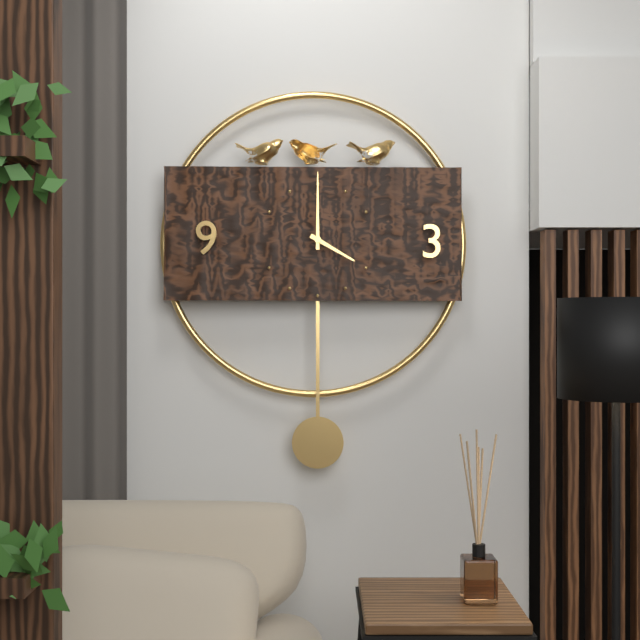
4:00
